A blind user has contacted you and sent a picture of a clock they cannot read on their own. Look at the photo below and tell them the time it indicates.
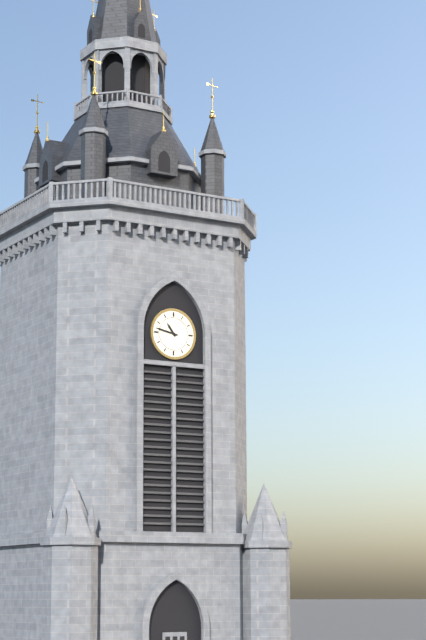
10:47
